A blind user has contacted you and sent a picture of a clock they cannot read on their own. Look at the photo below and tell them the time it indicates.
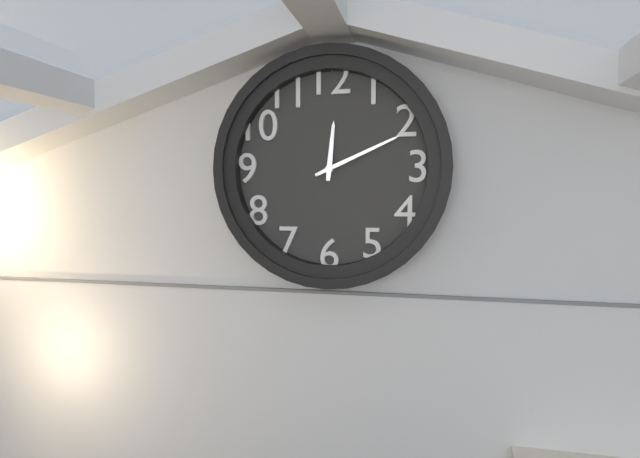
12:11
